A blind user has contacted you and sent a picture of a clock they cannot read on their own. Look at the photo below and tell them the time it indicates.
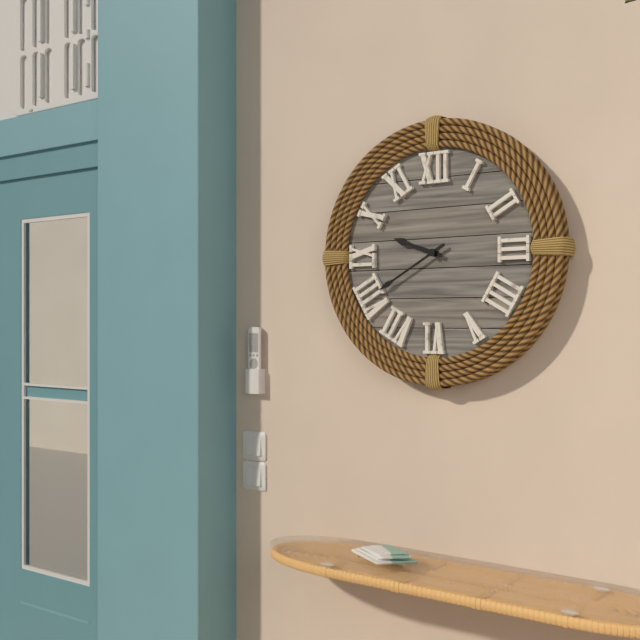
9:40
